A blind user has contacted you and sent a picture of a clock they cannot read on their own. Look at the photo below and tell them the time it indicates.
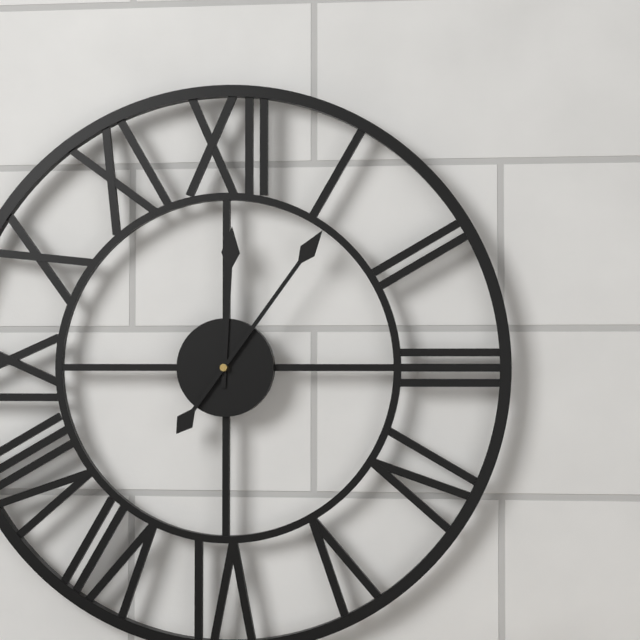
12:06
